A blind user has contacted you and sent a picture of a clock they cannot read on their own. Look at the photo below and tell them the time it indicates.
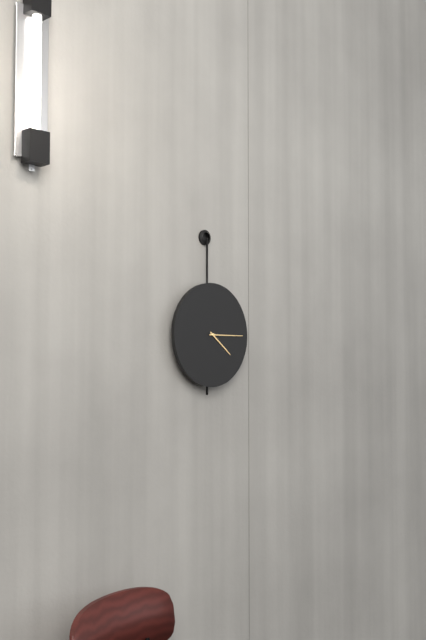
4:15
